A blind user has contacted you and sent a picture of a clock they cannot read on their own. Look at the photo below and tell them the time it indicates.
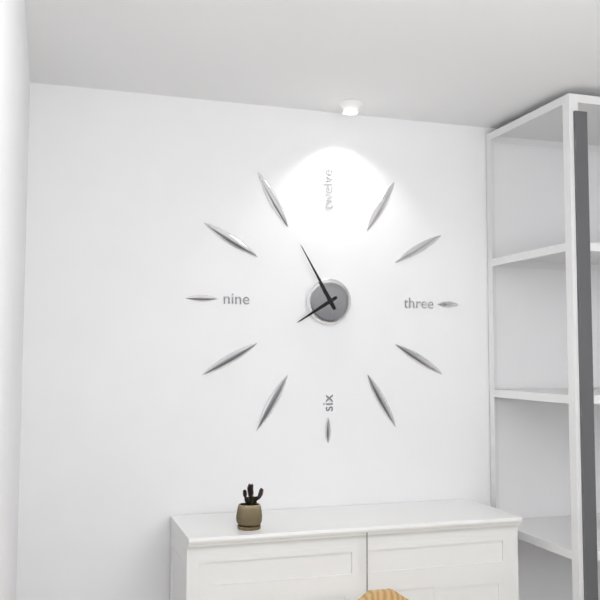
7:55
